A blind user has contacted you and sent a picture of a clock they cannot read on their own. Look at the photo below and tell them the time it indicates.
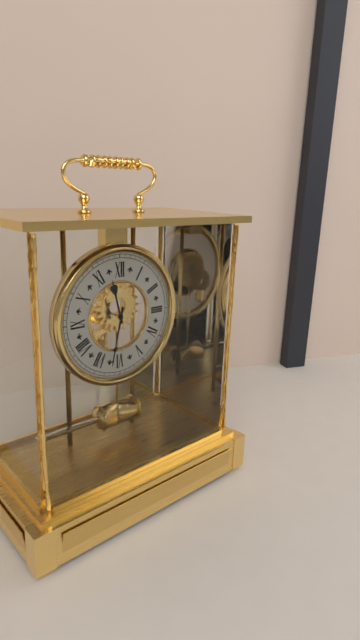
11:32
